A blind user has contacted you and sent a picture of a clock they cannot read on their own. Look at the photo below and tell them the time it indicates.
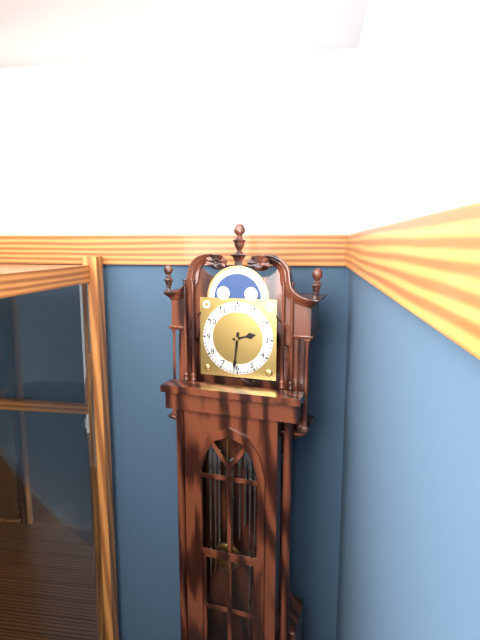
2:31
